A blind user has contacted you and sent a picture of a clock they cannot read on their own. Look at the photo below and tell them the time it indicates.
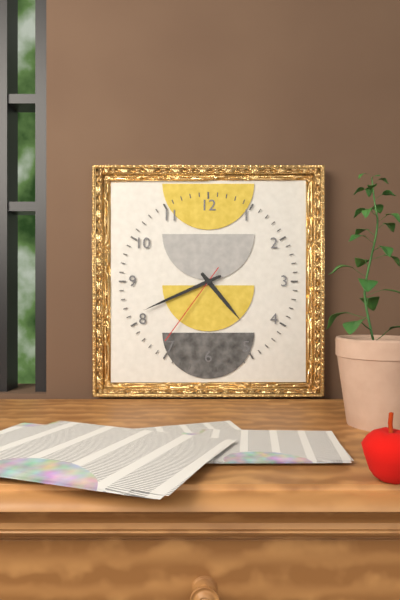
4:41:36
